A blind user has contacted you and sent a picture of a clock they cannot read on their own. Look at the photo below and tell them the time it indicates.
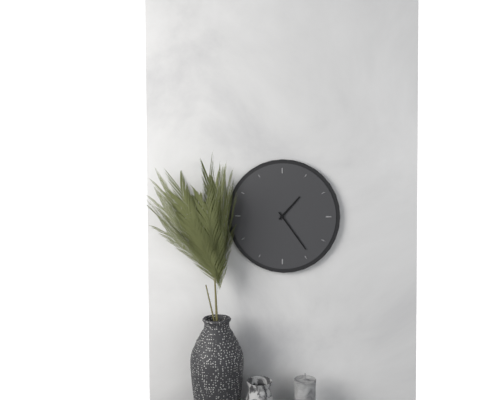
1:24
